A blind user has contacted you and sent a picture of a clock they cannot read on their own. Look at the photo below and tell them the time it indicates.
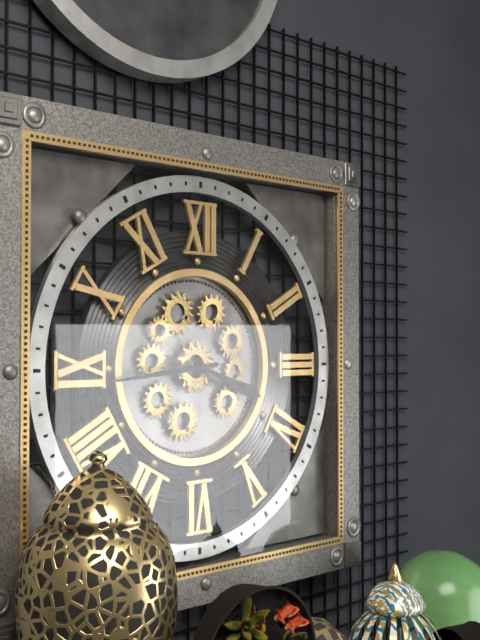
3:44
